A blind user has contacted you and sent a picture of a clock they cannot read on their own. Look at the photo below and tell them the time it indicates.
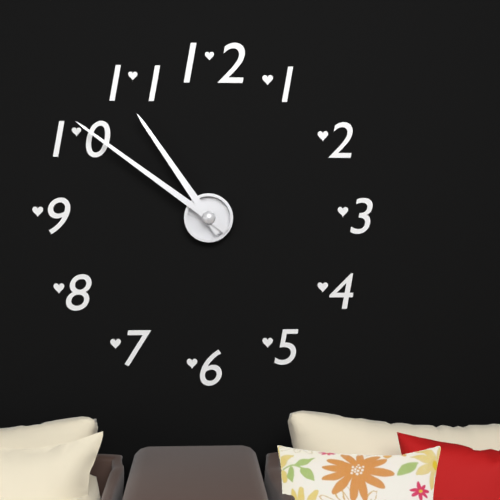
10:51
